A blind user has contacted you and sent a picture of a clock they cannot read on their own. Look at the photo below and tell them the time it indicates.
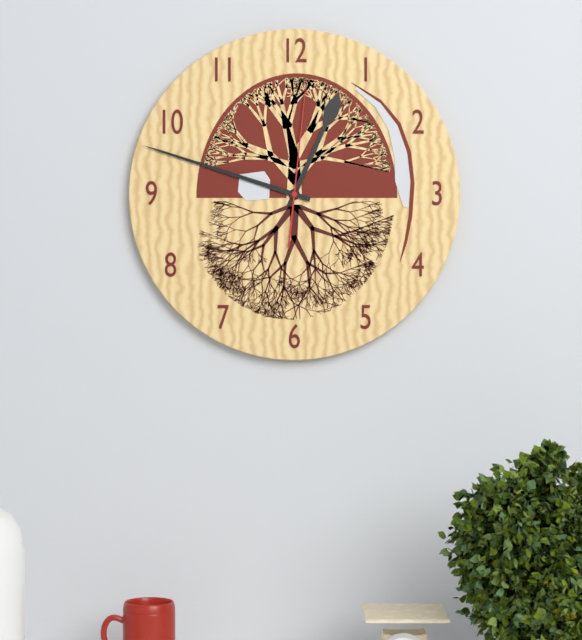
12:48:01
